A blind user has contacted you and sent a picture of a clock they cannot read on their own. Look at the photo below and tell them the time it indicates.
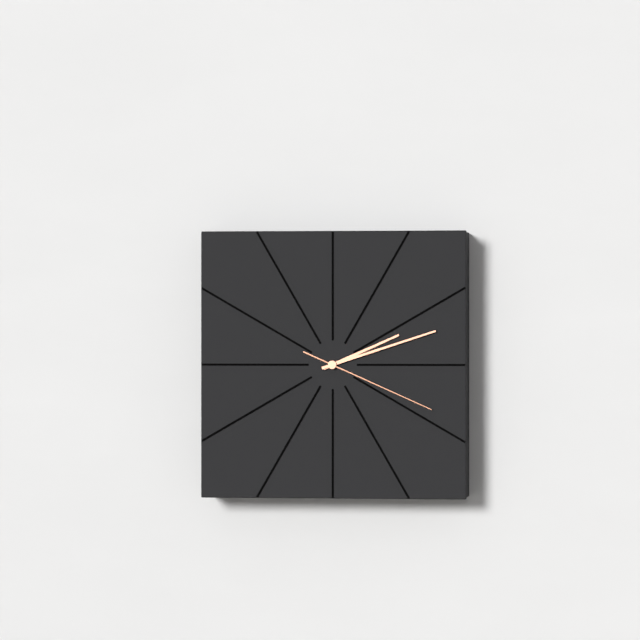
2:12:19
